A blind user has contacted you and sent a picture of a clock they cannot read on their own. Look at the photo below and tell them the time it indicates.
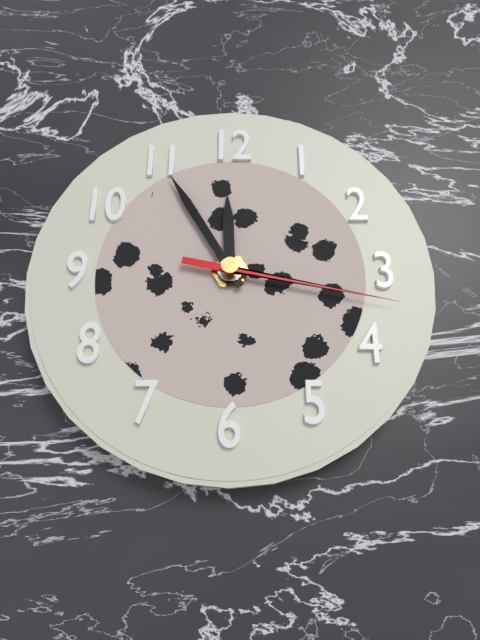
11:55:17
